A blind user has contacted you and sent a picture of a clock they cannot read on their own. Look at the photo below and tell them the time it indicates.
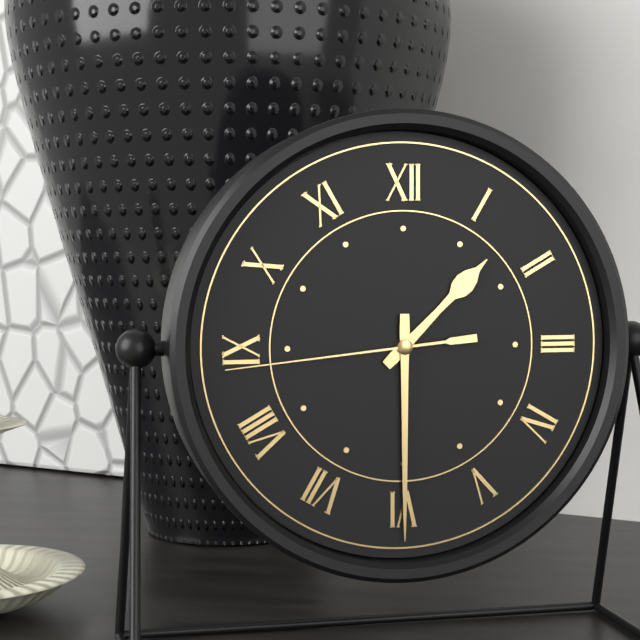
1:30:44
